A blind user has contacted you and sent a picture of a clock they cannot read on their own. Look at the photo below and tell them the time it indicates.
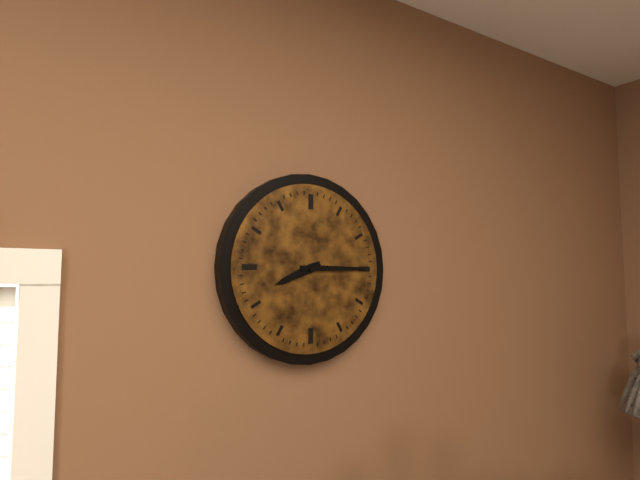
8:15
